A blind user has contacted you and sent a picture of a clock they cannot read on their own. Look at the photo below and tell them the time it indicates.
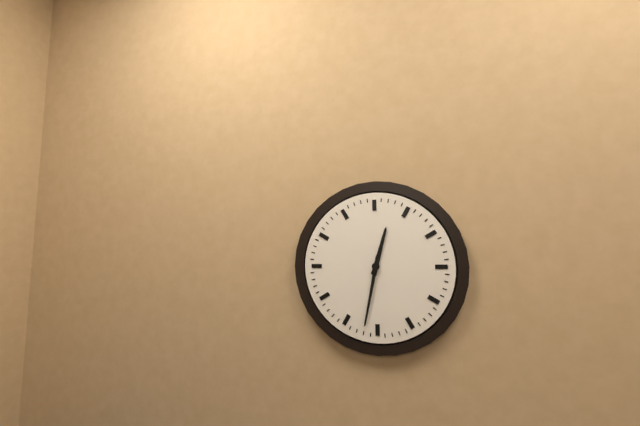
12:32
